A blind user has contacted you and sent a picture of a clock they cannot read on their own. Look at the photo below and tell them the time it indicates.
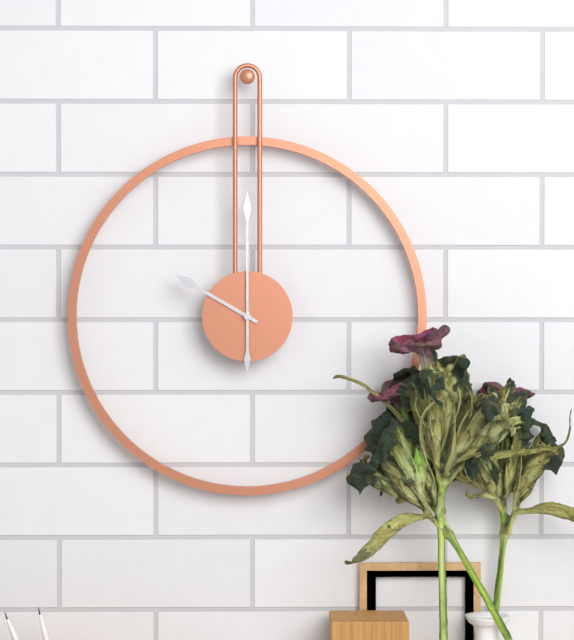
10:00
